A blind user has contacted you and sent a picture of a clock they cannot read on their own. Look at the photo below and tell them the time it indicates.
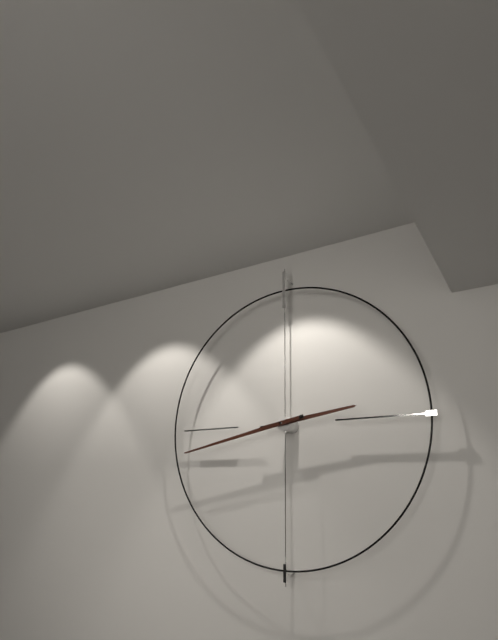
2:43
